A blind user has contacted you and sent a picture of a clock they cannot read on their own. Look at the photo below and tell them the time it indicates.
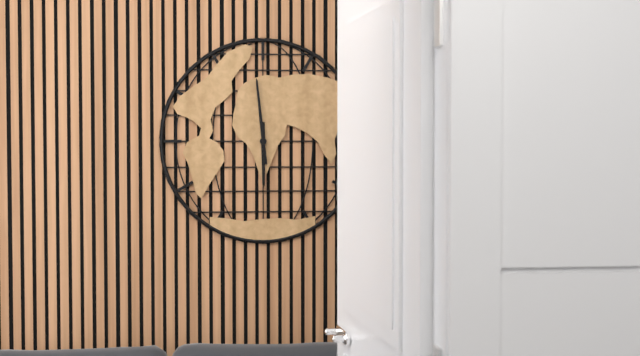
5:59
